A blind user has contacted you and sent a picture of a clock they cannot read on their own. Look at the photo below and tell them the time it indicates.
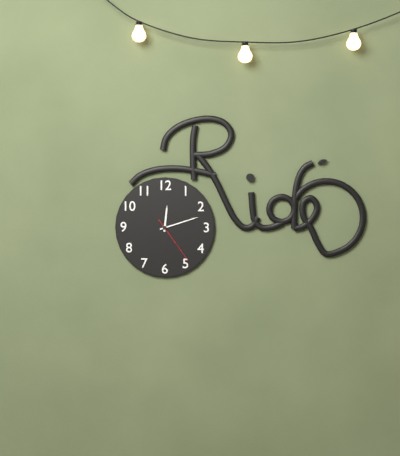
12:12
